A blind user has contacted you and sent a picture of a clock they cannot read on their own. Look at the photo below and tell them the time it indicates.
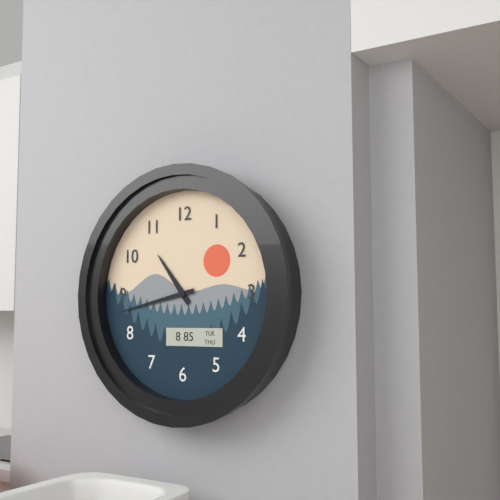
10:43
